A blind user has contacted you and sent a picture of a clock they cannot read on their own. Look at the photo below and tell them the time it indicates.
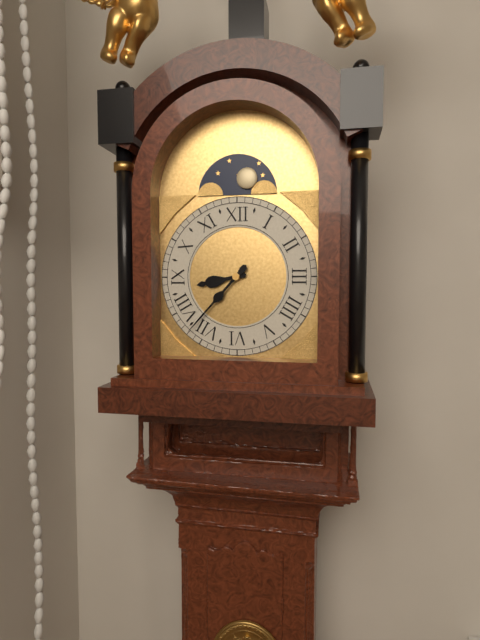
8:37
